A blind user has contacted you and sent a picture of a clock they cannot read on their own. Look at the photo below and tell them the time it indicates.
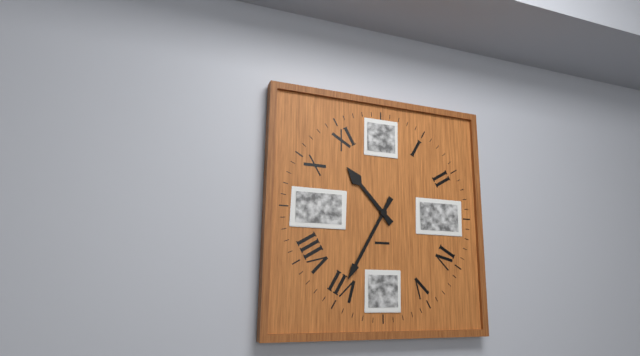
10:35
